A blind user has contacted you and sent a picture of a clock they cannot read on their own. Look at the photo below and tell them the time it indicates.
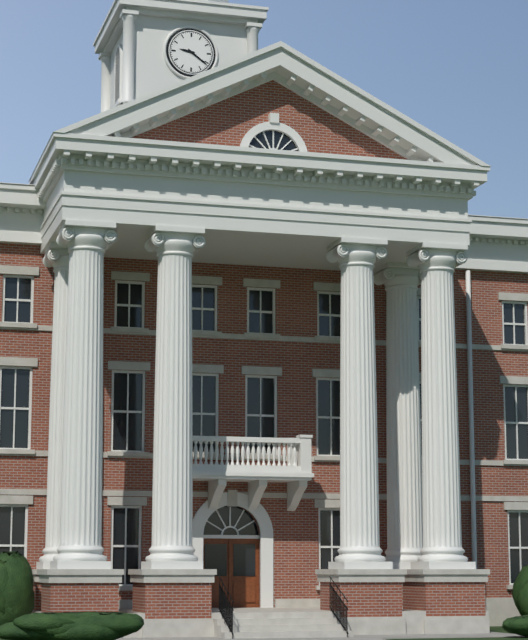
9:21
